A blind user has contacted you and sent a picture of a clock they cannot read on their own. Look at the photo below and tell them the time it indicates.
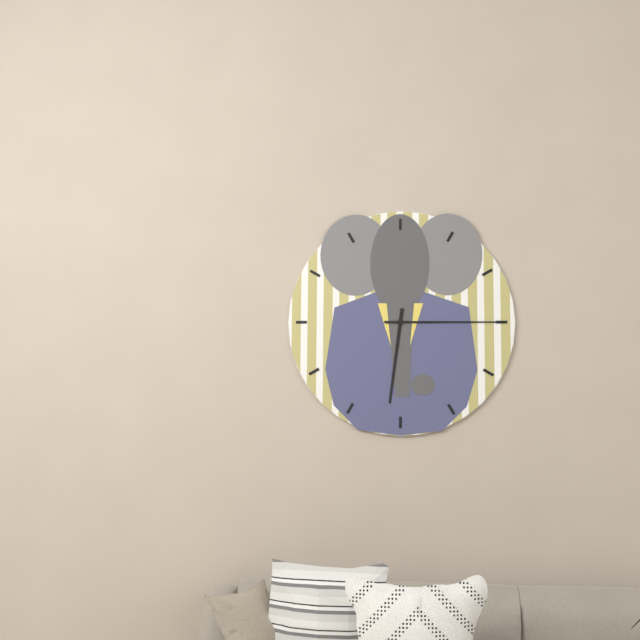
6:15
